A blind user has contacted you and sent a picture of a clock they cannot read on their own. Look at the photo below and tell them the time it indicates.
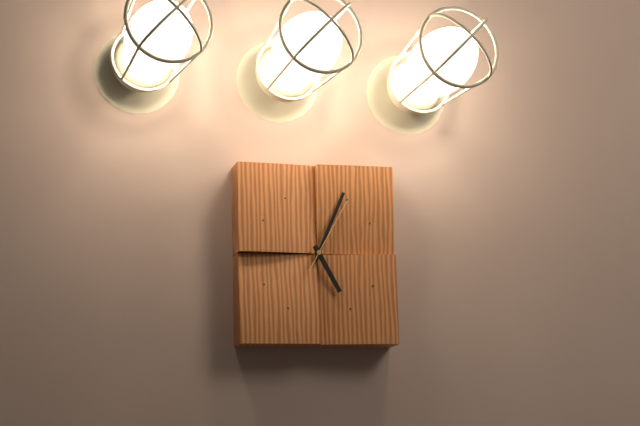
5:04:05
